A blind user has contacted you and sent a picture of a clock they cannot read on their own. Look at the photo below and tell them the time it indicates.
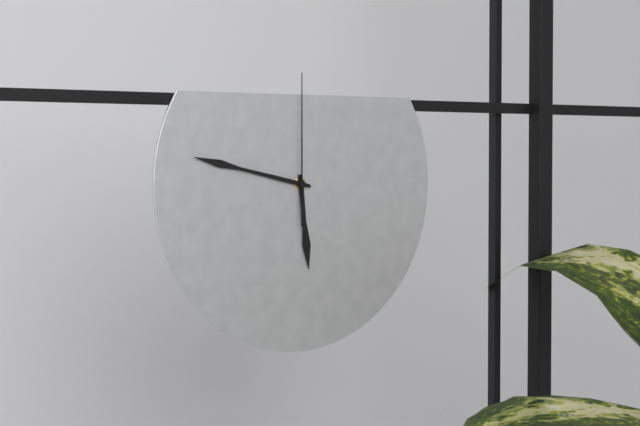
5:47:00
